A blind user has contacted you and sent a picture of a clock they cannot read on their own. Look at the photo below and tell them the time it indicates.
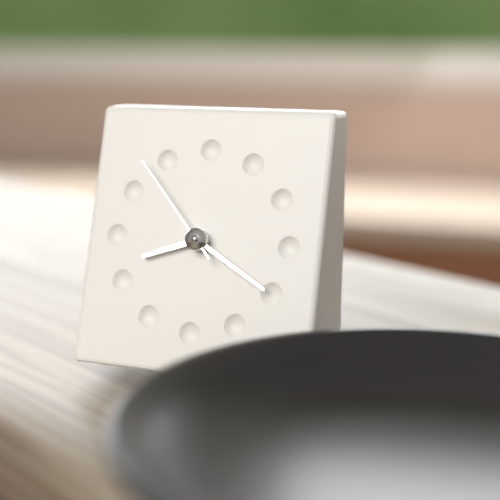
8:20:53
